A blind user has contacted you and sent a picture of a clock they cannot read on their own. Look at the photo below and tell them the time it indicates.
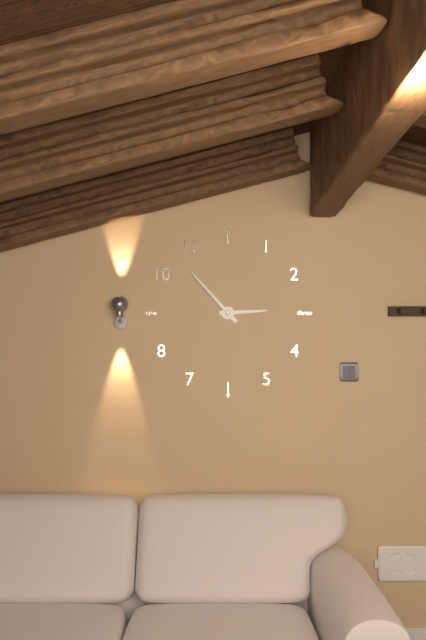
2:53
